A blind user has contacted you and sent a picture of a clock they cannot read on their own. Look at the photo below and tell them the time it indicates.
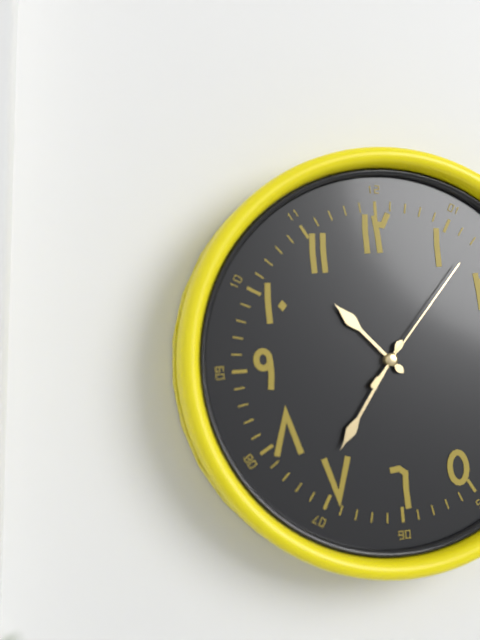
10:36:07
